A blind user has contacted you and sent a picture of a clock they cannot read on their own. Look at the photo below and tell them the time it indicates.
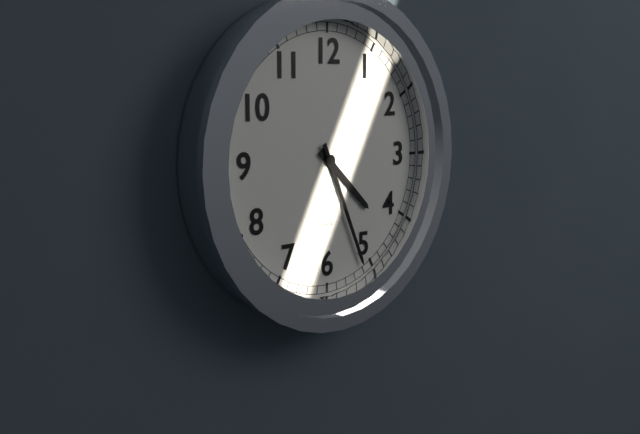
4:26
